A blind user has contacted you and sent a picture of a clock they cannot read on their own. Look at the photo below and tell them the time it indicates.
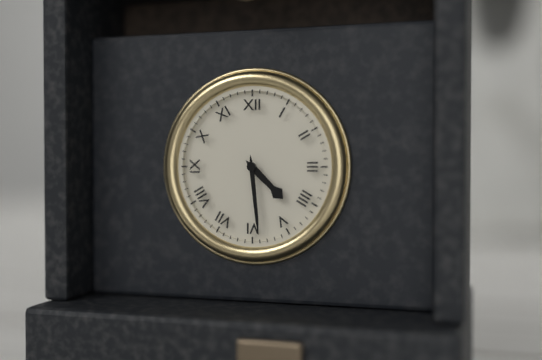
4:29
